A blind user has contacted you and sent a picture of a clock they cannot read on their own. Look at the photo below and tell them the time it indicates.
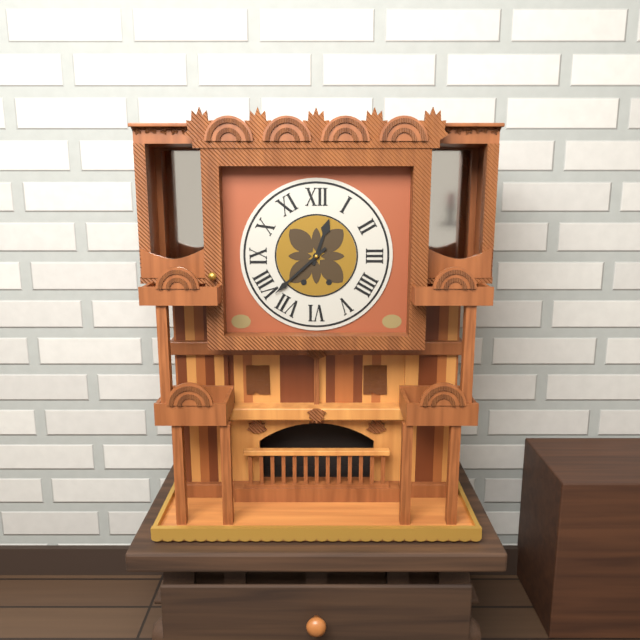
12:38
